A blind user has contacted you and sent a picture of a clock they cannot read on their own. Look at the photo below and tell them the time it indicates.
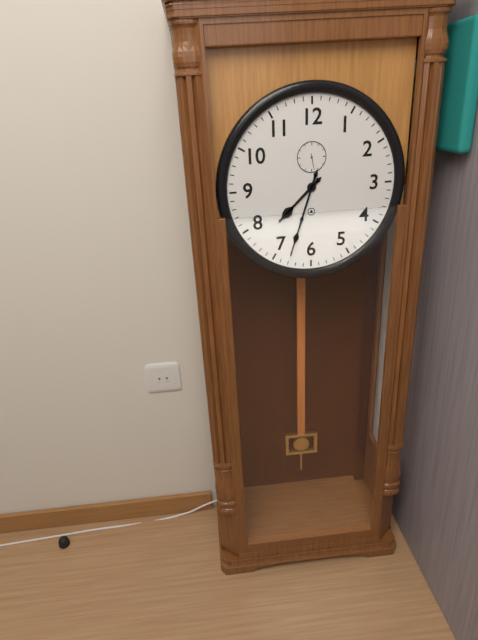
7:33
